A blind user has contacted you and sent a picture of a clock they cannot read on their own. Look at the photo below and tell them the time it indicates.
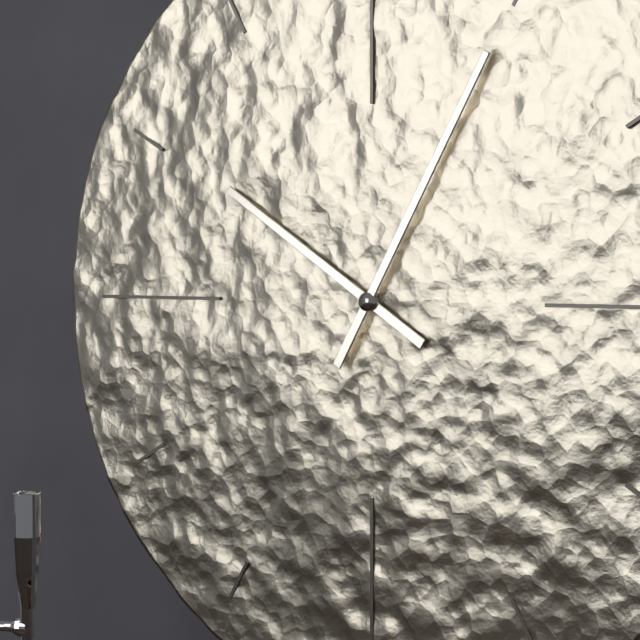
10:05
